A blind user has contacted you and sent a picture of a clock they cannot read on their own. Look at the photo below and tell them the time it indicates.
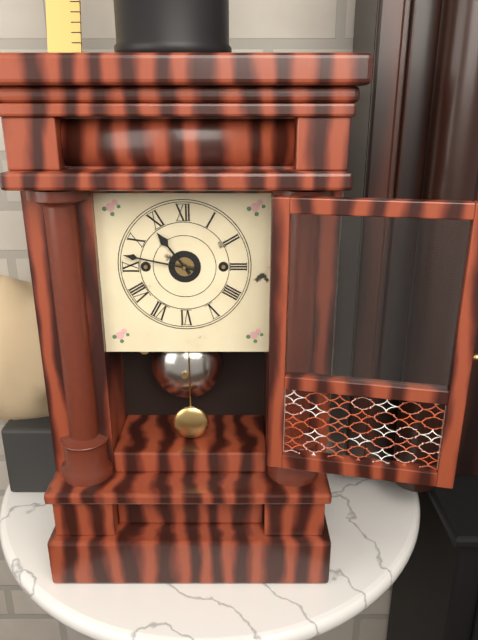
10:47
